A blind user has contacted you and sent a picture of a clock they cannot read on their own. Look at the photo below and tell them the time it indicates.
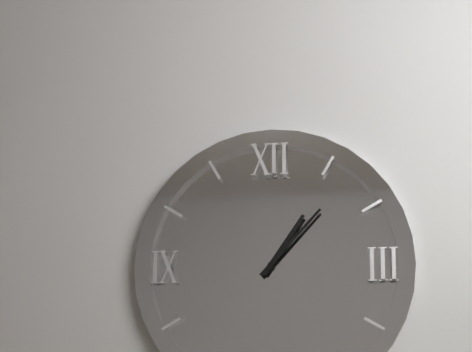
1:07
